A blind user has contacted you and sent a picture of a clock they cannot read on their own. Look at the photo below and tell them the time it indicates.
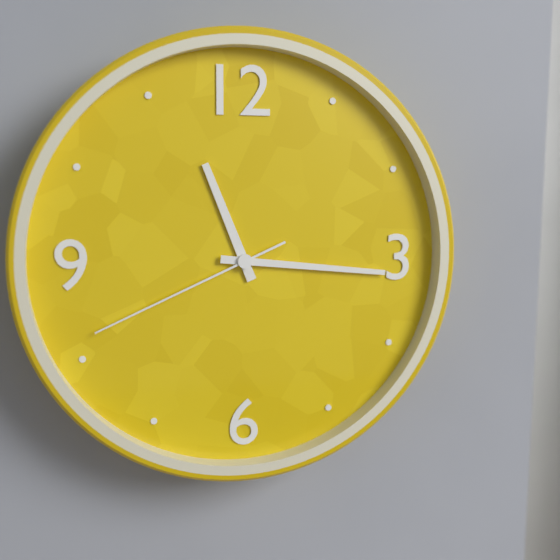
11:16:41
